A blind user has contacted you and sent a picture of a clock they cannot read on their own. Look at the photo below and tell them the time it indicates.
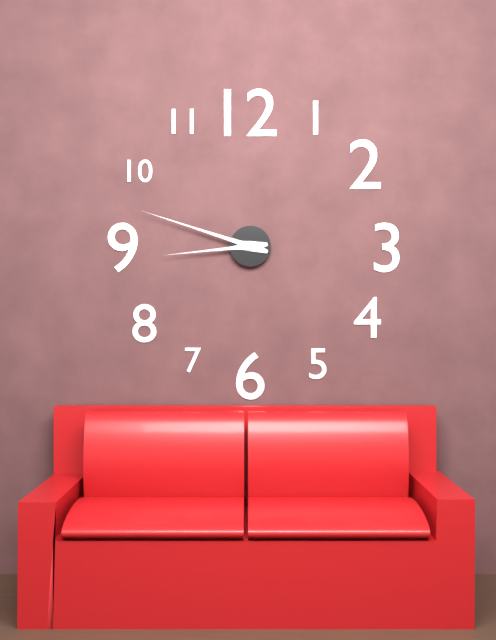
8:48
